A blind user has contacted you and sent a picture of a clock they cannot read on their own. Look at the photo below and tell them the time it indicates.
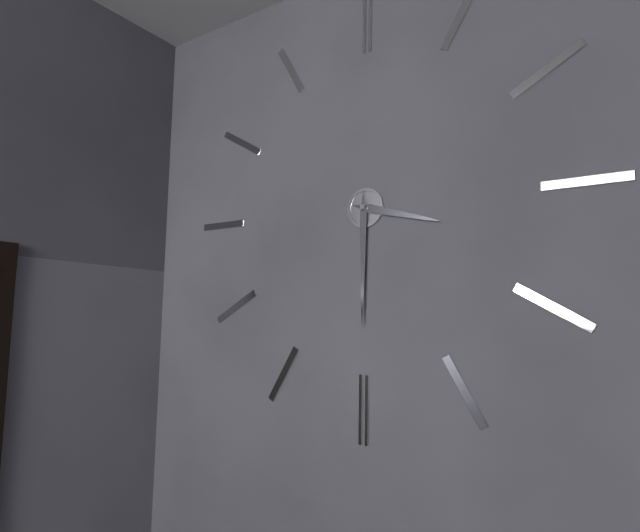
3:30
